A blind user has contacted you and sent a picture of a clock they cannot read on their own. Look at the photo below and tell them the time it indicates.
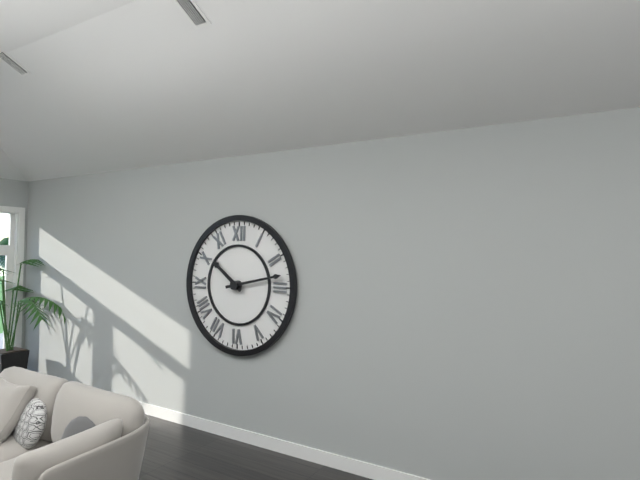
10:13
